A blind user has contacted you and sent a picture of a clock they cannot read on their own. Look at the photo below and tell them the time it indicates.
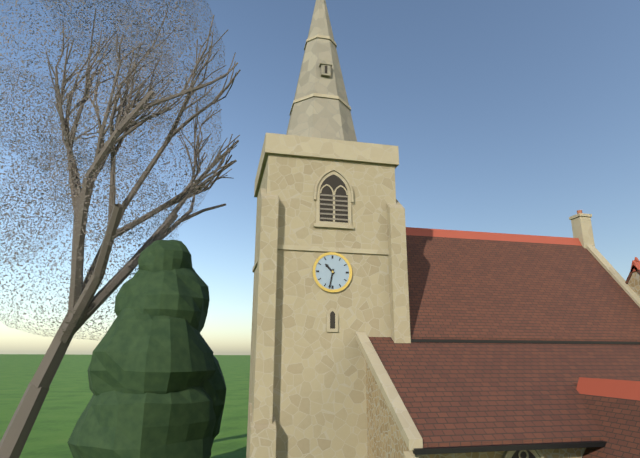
10:32
